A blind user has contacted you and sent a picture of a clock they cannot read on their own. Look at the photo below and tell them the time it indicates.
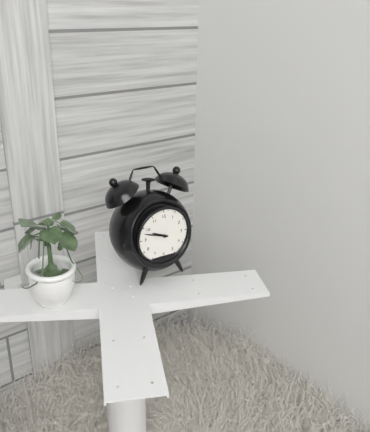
9:48
